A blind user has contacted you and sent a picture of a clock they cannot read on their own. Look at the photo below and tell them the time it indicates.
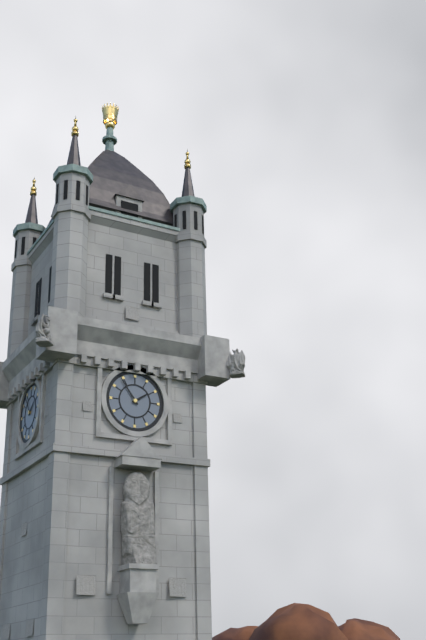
1:54
